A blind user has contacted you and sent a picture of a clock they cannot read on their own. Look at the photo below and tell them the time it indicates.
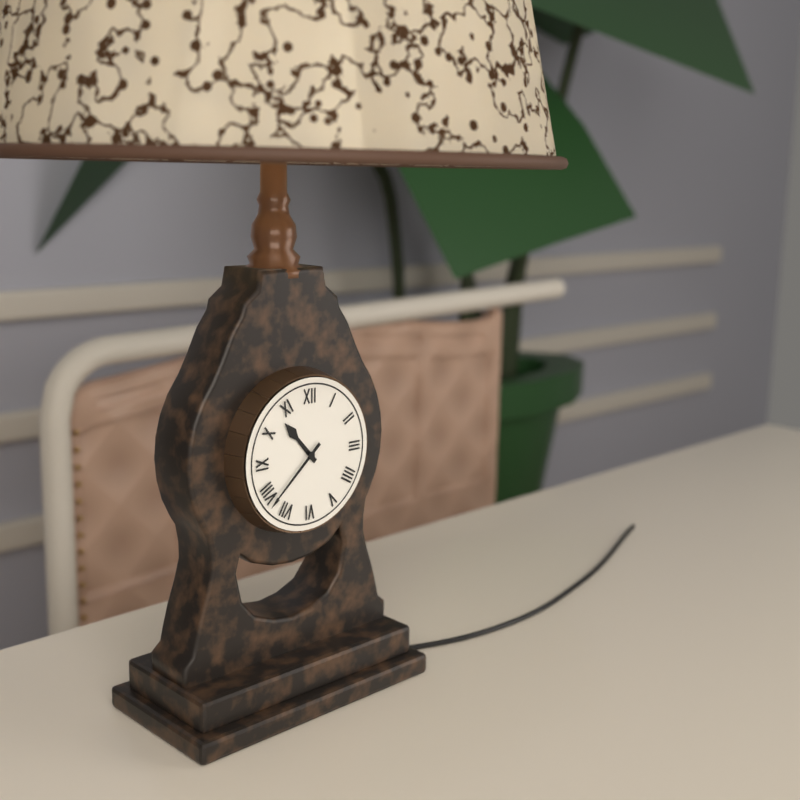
10:38
